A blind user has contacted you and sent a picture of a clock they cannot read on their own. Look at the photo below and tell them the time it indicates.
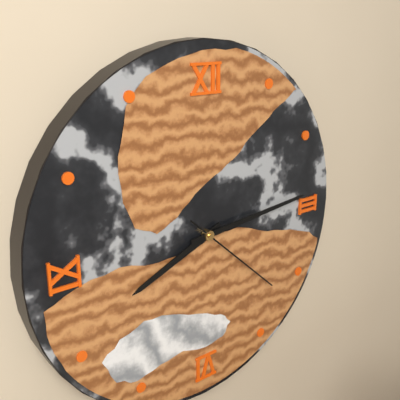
8:14:22
